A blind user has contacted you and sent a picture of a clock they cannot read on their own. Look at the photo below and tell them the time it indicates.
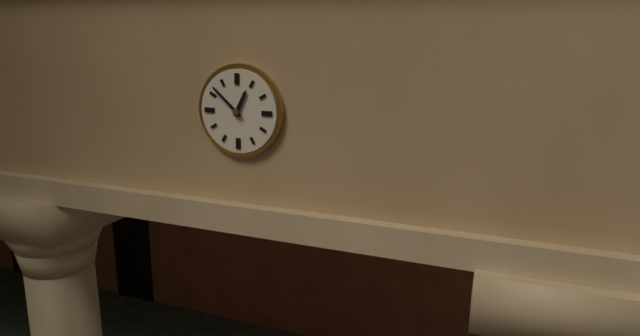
12:52
